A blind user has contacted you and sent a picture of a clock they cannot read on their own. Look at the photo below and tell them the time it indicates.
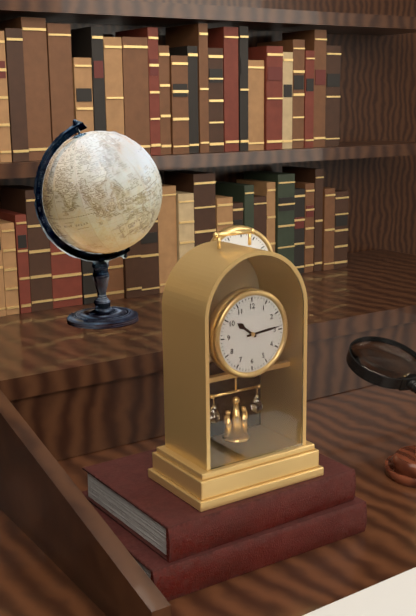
10:14
